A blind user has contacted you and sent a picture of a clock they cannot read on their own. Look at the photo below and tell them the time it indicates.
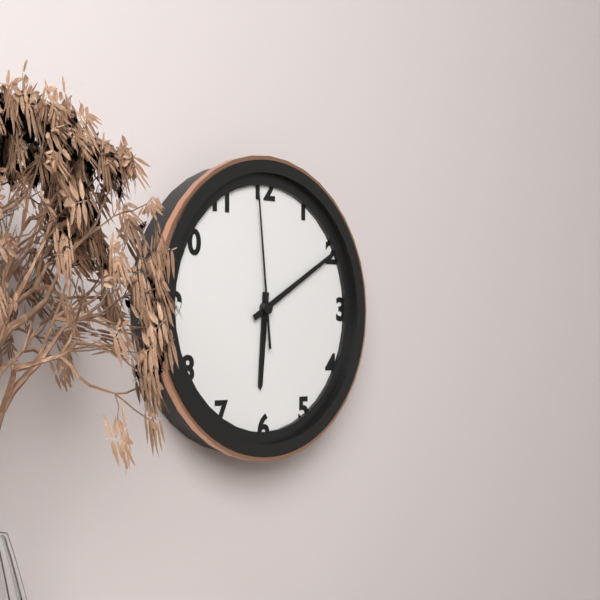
6:10:59
